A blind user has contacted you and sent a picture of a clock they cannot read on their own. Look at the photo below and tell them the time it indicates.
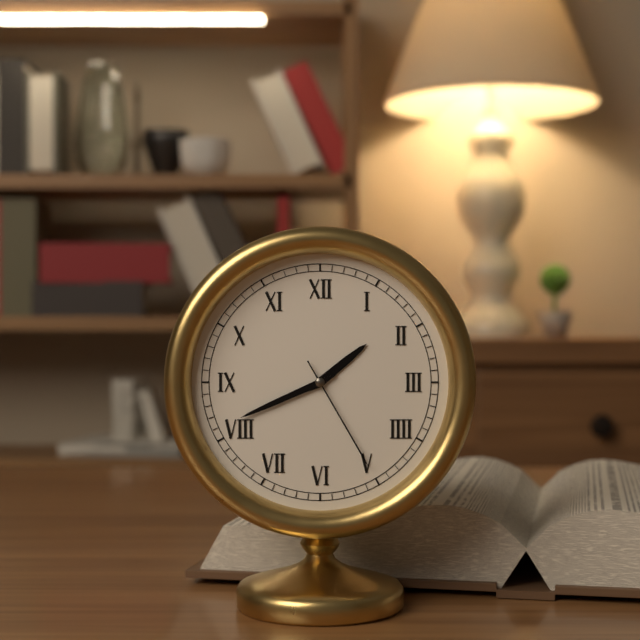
1:41:25
